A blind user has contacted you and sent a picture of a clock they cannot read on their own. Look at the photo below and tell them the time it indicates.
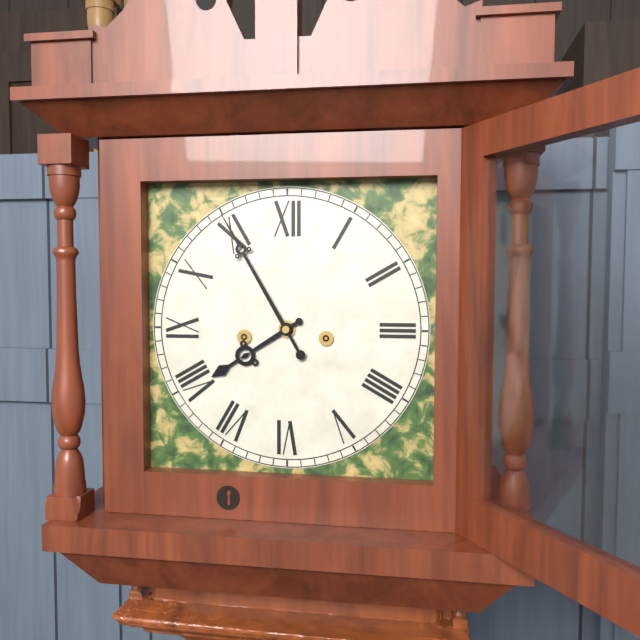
7:55
